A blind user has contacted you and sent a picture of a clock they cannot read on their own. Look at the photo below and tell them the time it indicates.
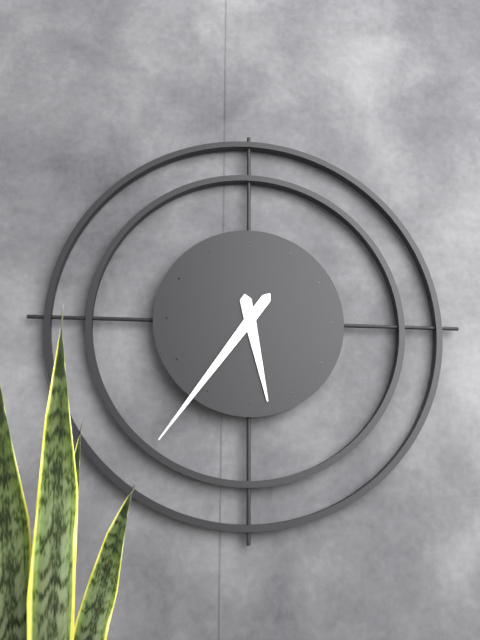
5:36
